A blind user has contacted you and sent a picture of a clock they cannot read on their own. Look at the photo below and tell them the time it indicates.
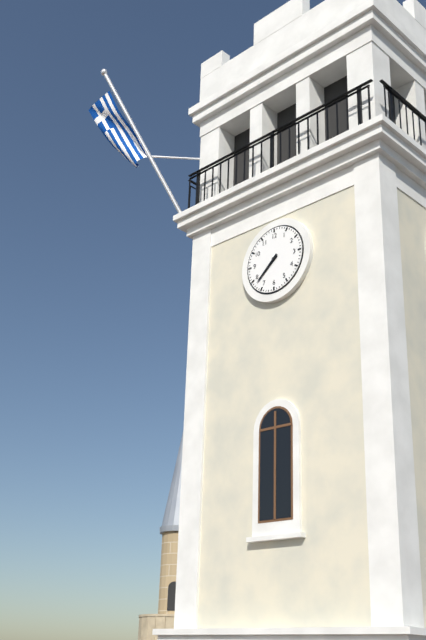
7:38
